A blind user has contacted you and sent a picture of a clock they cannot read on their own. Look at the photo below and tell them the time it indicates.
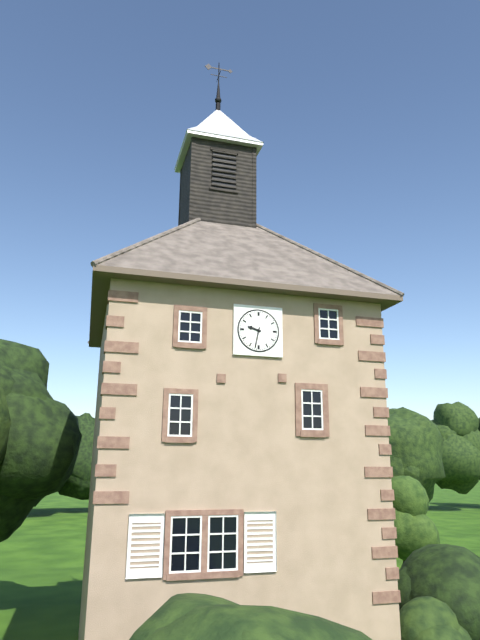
9:32
